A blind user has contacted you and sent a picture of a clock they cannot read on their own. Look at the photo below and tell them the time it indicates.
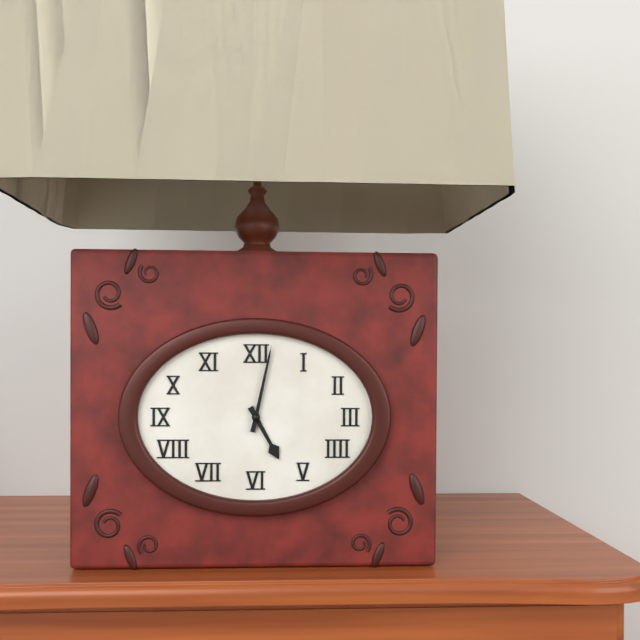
5:02
